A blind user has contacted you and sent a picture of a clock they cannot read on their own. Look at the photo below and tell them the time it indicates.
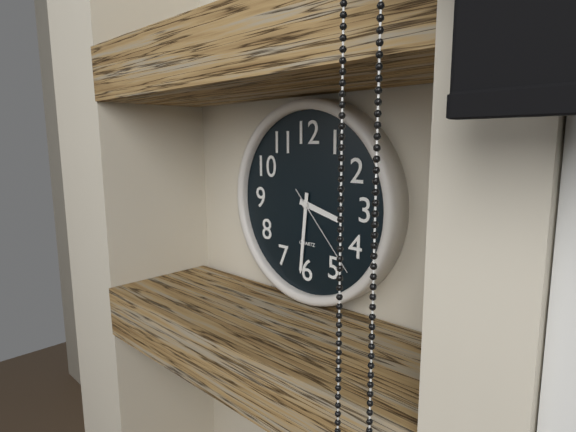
3:31:23
